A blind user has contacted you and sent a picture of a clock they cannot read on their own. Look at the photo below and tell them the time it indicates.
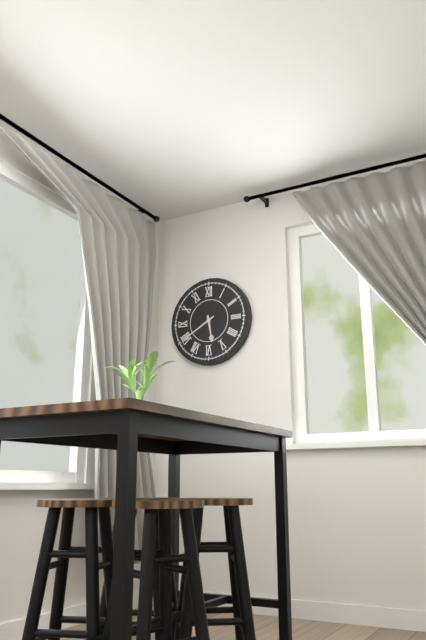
5:40
